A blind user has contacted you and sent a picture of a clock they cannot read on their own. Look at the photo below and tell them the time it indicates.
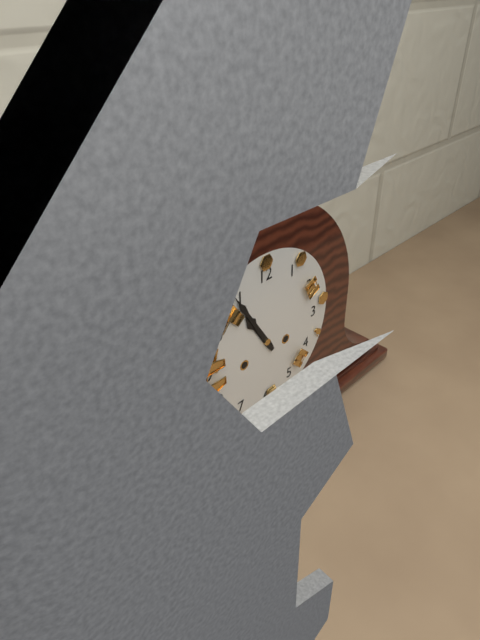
10:55
